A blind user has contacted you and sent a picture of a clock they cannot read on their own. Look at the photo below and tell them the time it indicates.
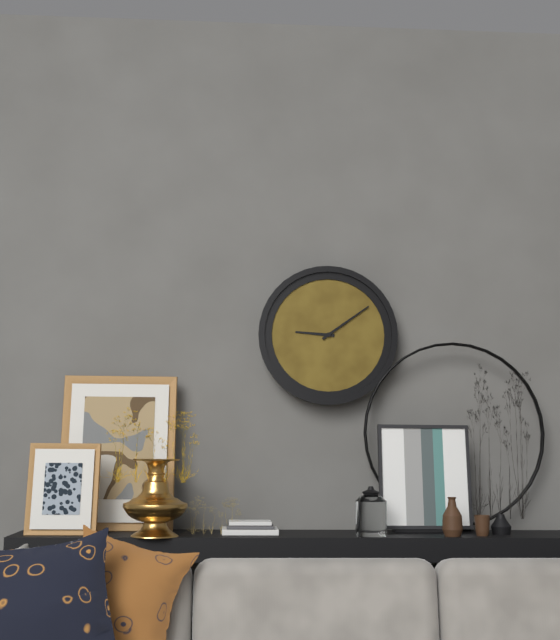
9:09
